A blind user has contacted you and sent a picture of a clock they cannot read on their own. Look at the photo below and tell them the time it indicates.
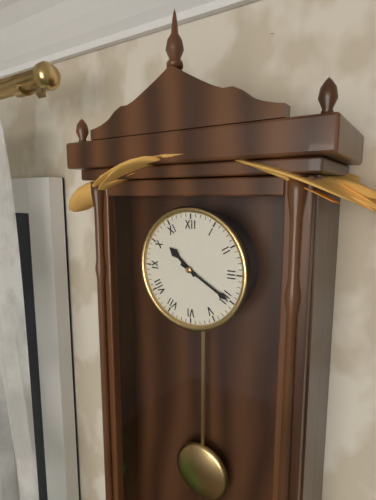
10:20
